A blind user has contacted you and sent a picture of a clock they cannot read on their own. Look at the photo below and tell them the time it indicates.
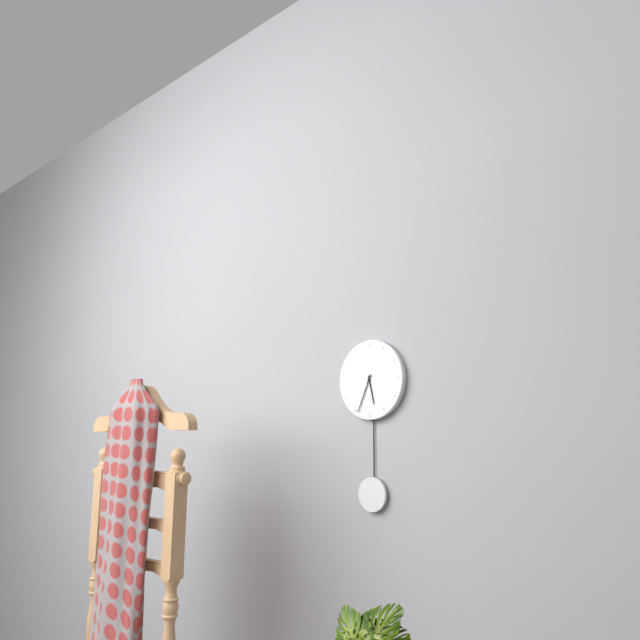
5:34
